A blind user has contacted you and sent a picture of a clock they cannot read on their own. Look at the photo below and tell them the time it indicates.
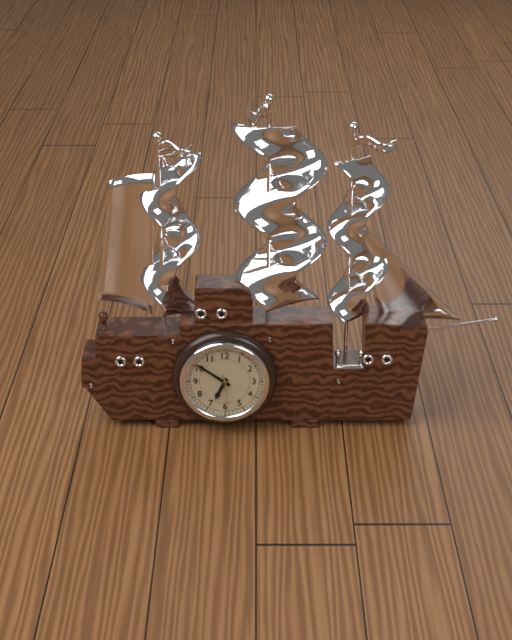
6:51
